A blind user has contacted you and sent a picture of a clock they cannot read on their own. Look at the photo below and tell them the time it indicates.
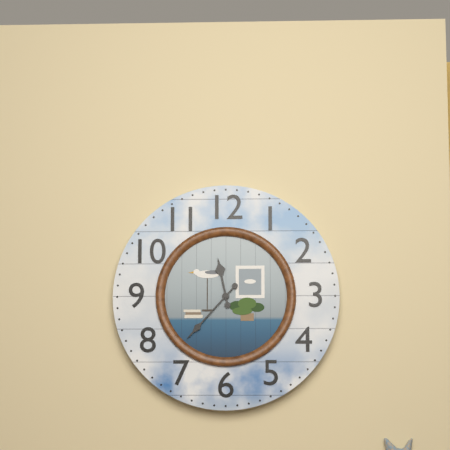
11:37
